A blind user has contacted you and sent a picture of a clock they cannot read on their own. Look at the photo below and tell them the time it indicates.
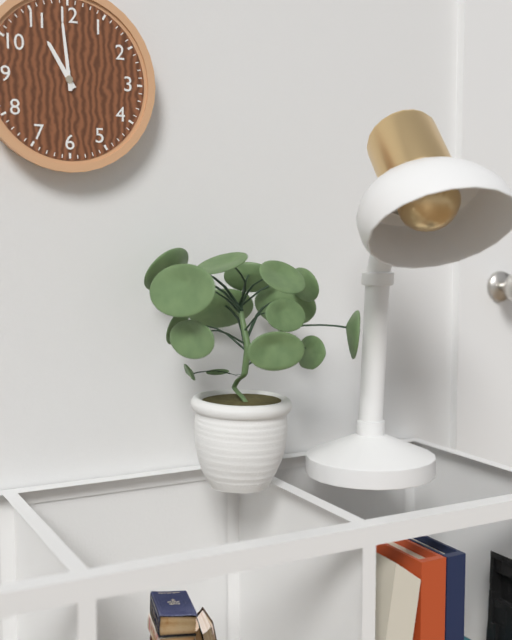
10:59
